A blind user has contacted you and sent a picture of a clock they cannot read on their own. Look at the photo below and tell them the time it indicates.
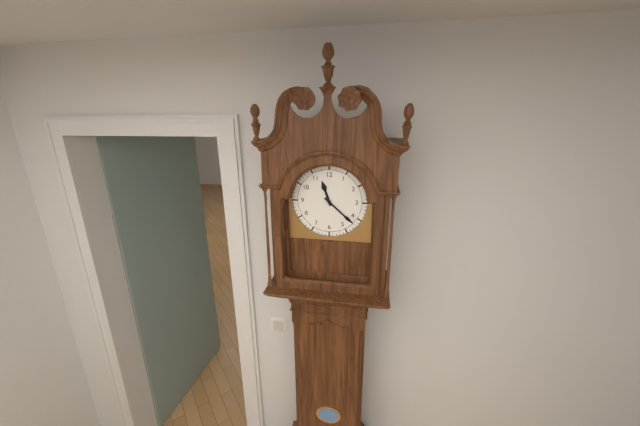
11:22
